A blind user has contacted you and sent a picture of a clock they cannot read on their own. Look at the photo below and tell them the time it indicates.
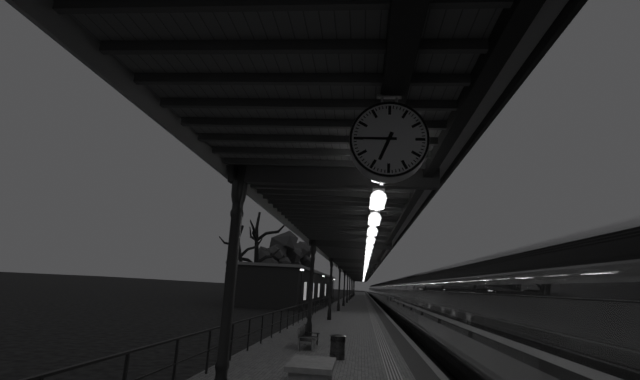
6:45
